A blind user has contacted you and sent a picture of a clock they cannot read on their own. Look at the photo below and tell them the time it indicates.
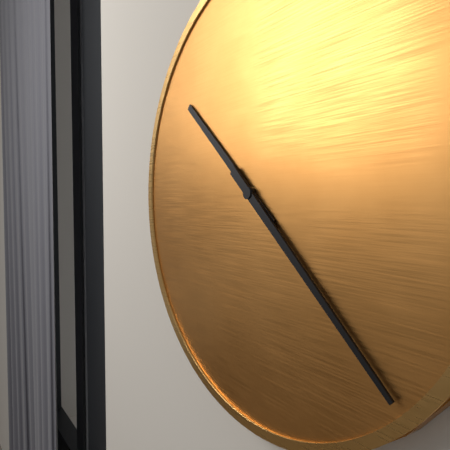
10:22
